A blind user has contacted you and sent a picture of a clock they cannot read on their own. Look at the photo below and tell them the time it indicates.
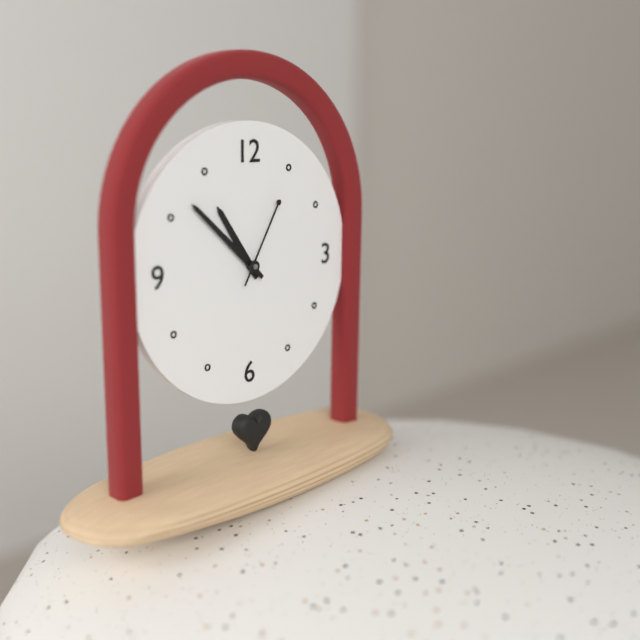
10:52:05
